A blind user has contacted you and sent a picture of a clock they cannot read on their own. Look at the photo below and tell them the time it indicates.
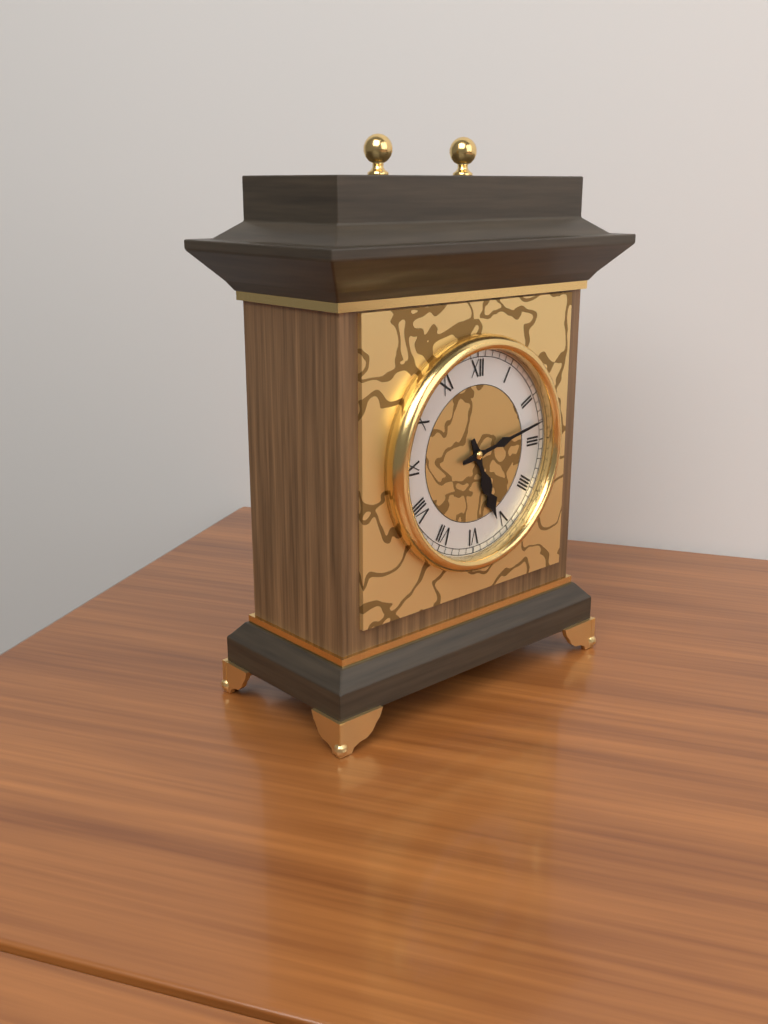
5:13
